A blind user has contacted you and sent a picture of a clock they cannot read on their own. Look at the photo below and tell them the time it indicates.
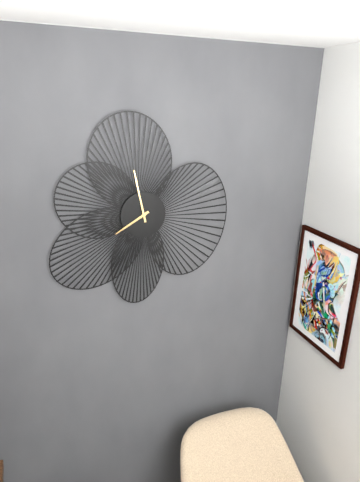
7:58
